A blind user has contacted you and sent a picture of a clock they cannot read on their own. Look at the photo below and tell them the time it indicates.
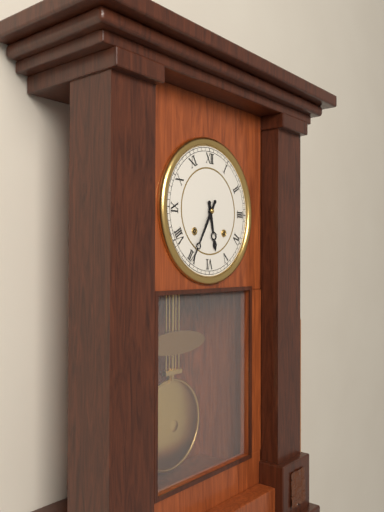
5:35
